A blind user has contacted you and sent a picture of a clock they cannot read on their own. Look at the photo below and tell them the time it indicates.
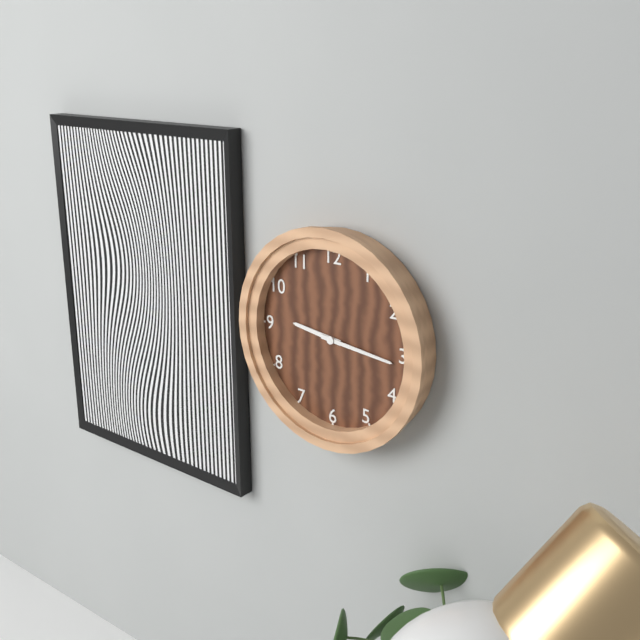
9:16
